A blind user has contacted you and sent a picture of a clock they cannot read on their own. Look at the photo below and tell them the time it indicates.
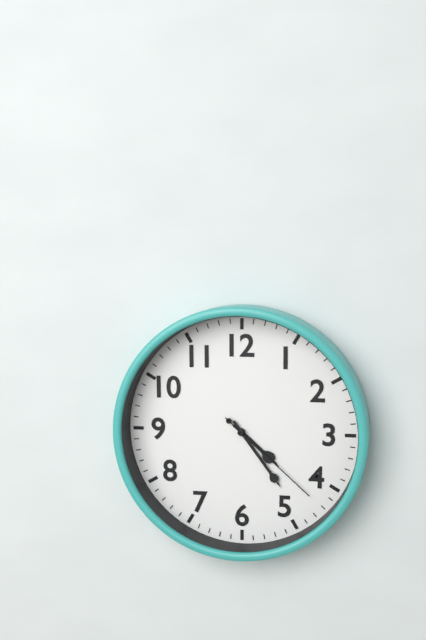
4:24:22
